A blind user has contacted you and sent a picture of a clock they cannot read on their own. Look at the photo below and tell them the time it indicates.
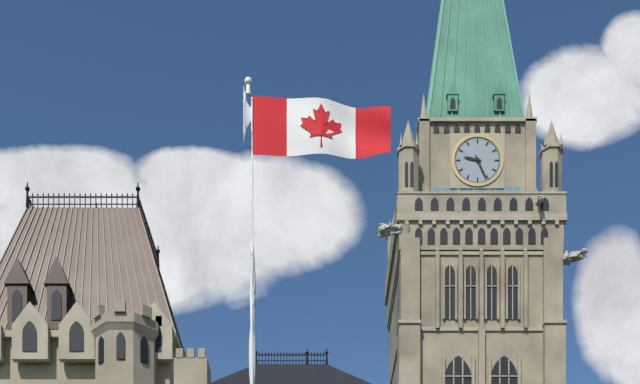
9:26
